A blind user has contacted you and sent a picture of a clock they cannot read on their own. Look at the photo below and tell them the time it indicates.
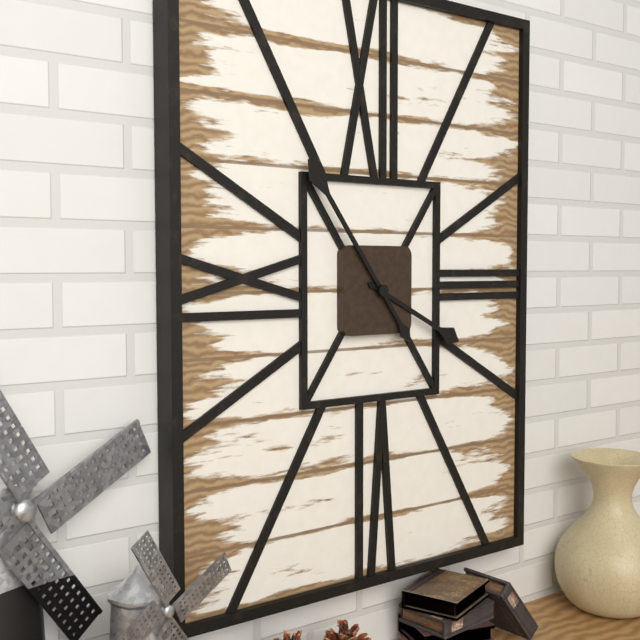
3:54
